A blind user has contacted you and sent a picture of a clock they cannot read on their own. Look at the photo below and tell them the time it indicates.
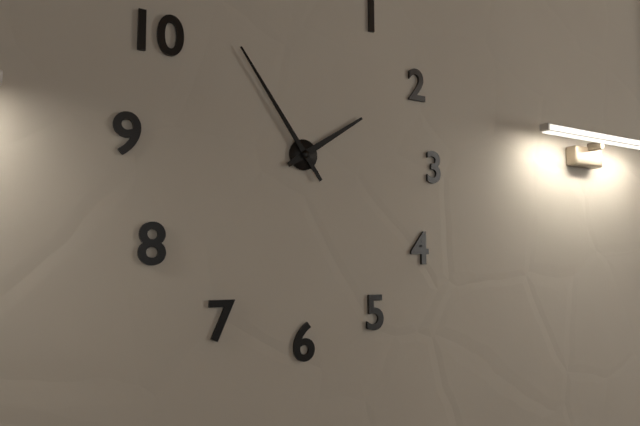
1:54
